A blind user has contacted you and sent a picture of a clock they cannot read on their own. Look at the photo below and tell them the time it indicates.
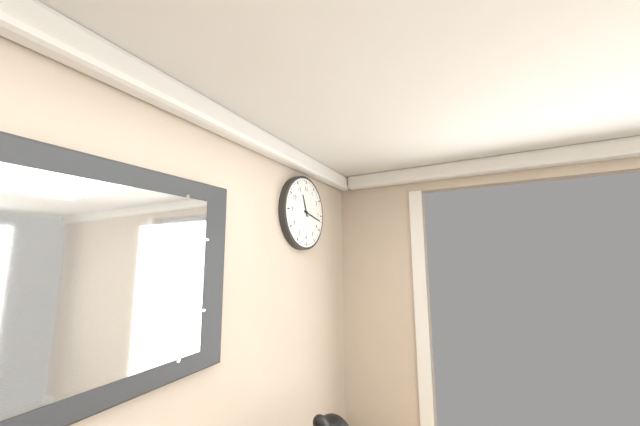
11:17
